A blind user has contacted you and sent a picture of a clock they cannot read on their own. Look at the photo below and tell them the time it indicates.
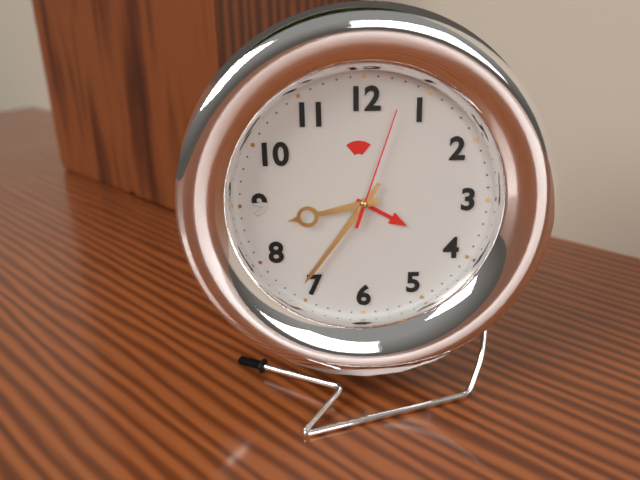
8:36:03
